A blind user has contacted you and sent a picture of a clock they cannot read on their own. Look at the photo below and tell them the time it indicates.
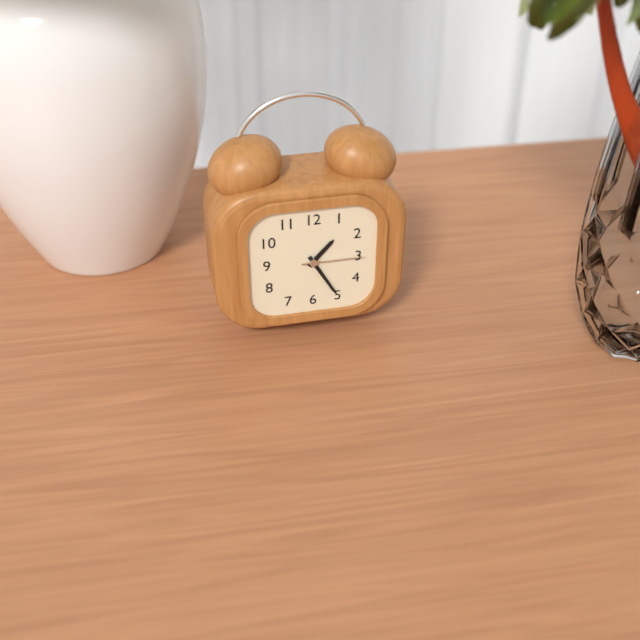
1:25:15
